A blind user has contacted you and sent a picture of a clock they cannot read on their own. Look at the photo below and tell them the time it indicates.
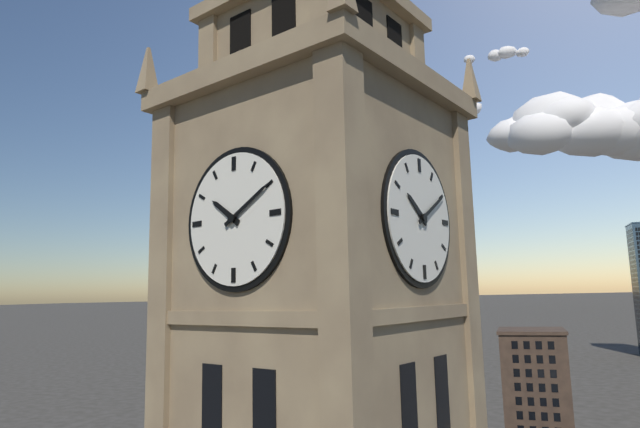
10:10
